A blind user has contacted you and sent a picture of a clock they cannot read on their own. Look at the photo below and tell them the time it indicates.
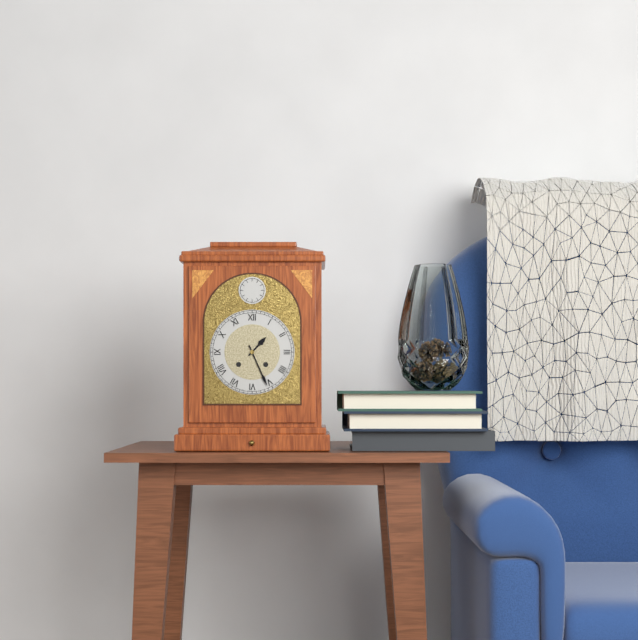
1:26
